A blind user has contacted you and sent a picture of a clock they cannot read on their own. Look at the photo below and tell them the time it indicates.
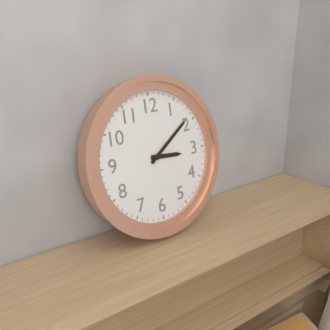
3:09
